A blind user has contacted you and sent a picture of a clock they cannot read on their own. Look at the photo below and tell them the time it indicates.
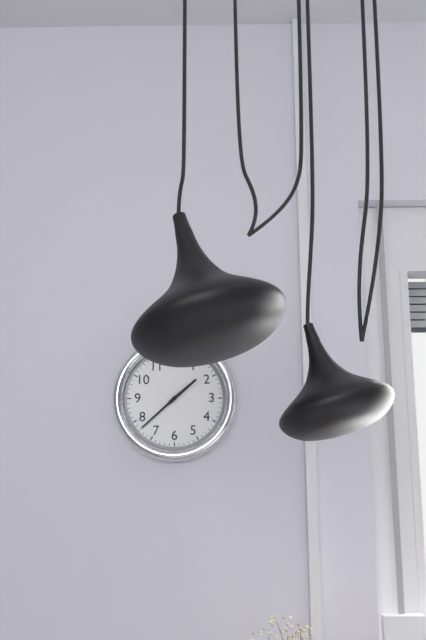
1:38
